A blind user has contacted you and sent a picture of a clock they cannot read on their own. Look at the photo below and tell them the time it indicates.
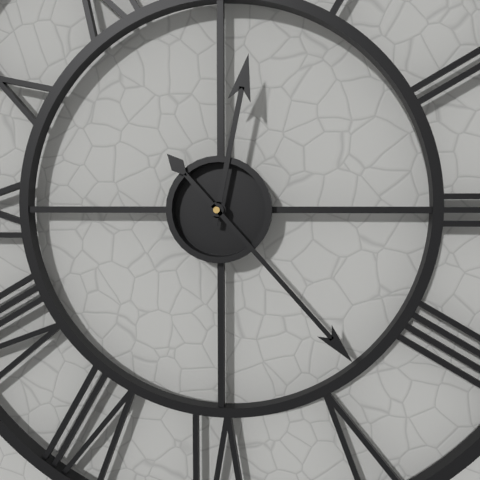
12:23
